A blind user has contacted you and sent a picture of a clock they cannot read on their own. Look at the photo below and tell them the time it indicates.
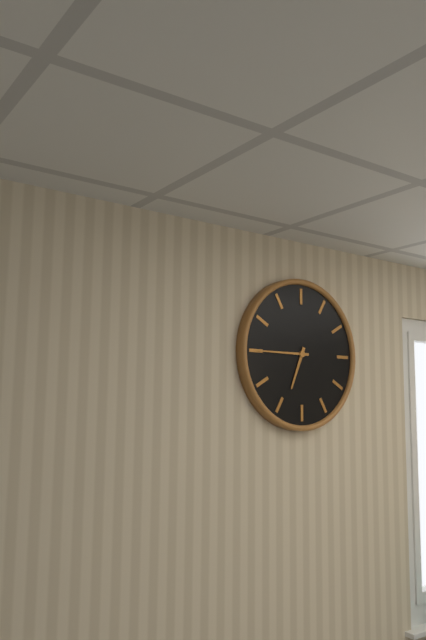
6:45
